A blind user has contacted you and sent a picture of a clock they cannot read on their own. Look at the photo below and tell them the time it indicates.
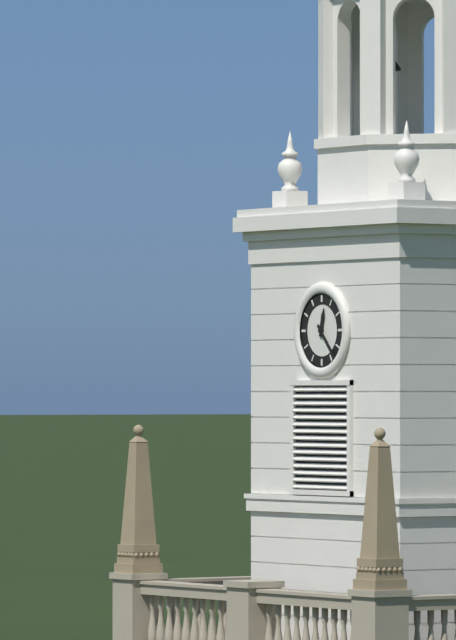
12:23
